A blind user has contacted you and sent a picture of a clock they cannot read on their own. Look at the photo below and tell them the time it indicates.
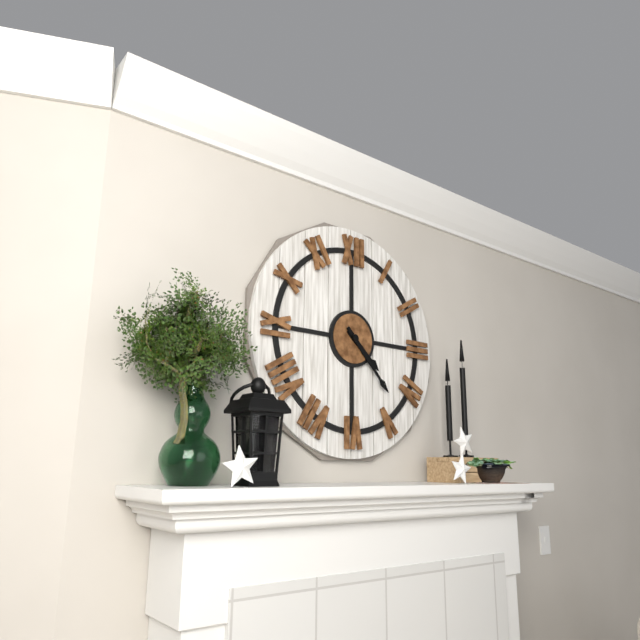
4:23
